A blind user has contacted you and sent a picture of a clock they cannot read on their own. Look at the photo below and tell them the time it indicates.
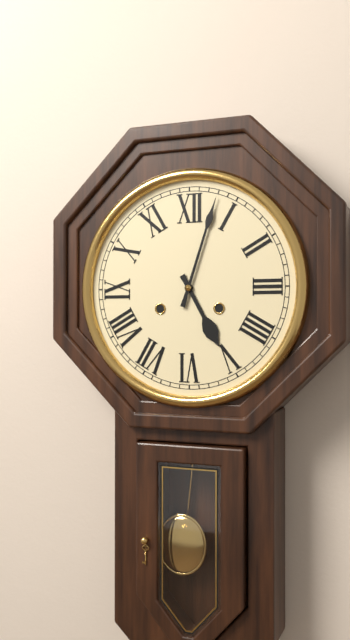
5:03
